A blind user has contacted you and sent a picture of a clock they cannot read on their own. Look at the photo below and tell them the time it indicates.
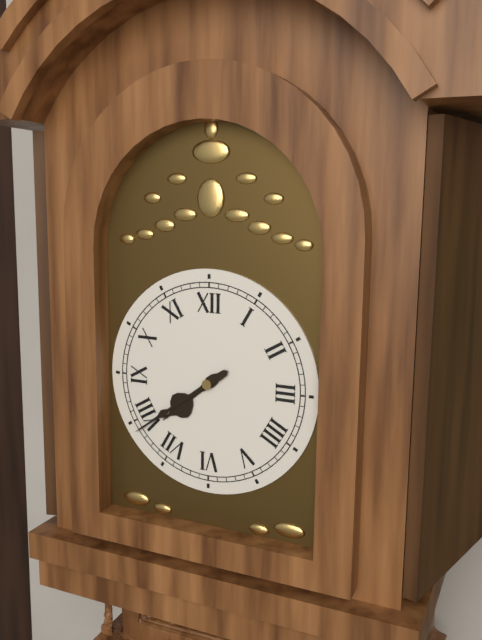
7:39
